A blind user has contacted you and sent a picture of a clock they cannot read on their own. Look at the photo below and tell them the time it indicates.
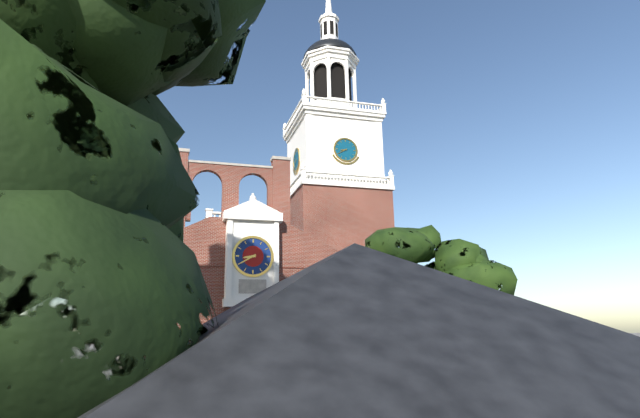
8:40
